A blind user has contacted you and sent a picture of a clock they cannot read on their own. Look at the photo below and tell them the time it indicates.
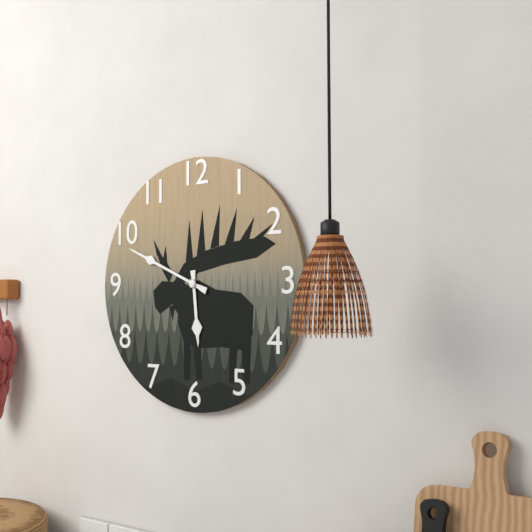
5:49
